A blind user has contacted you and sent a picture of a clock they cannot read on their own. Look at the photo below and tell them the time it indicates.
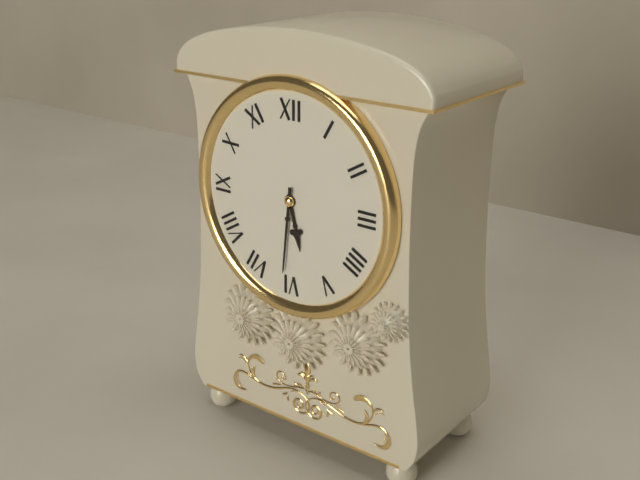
5:31
